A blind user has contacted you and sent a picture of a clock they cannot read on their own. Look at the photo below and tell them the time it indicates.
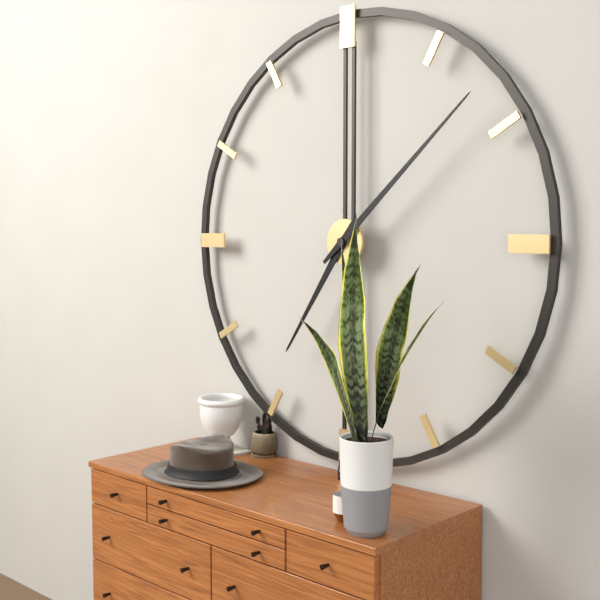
7:08
